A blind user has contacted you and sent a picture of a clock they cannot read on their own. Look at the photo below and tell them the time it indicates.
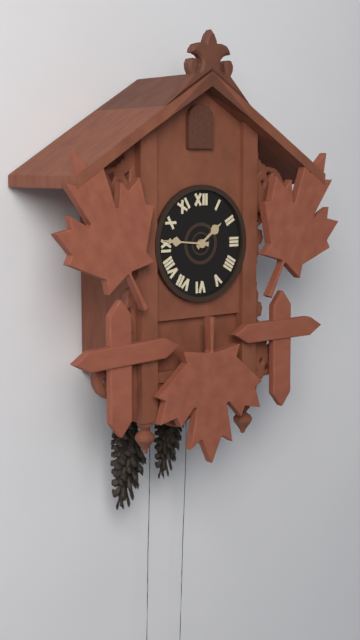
1:46
